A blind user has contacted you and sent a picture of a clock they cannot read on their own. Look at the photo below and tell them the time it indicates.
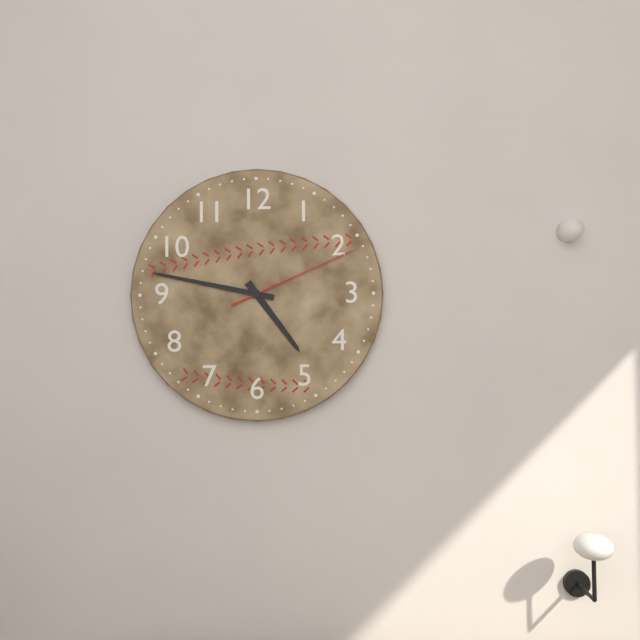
4:47:11
